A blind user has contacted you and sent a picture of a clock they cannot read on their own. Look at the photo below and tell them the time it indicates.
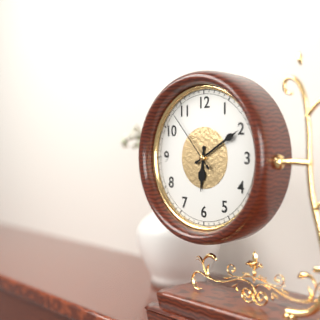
6:10:53
